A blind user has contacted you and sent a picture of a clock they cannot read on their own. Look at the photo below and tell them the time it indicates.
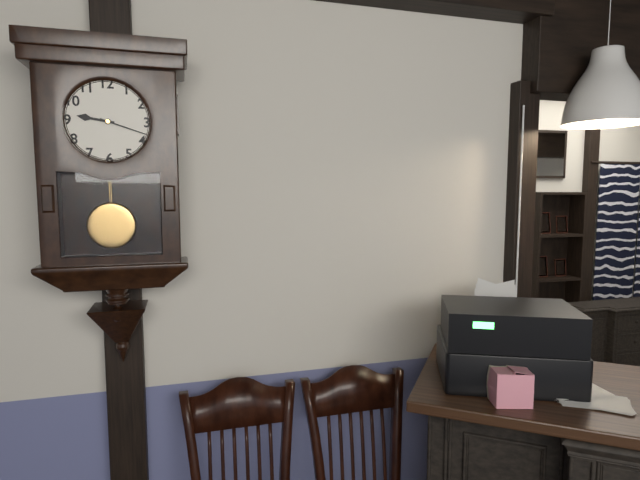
9:18
